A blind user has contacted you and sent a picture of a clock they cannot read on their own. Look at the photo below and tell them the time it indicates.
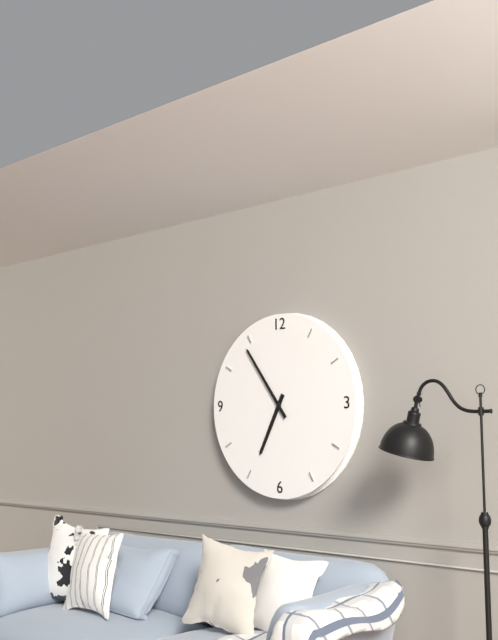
6:54
